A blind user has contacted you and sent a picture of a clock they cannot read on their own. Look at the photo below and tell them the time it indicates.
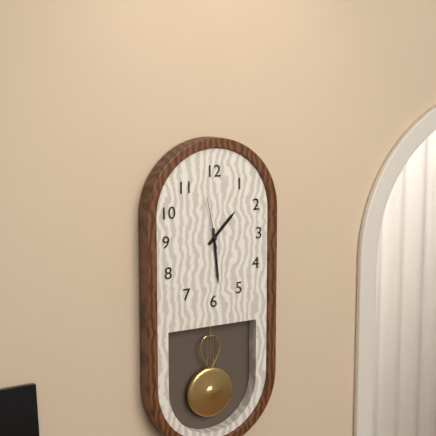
1:29:58
